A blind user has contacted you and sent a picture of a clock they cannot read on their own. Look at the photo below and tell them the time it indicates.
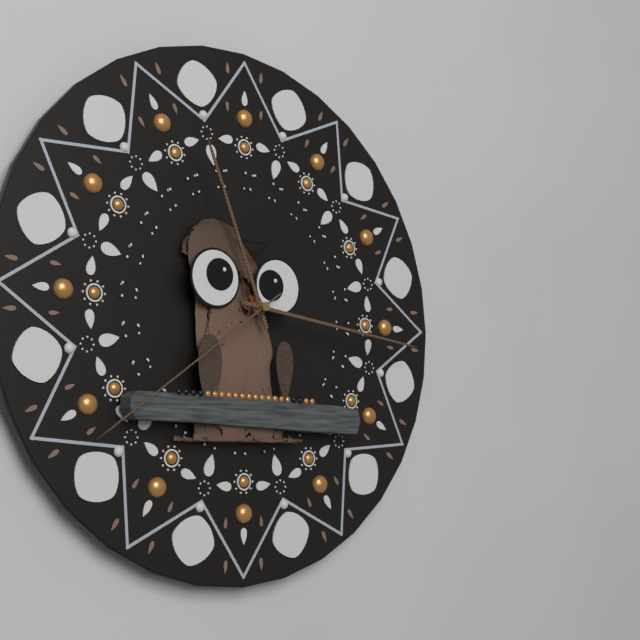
11:16:39
